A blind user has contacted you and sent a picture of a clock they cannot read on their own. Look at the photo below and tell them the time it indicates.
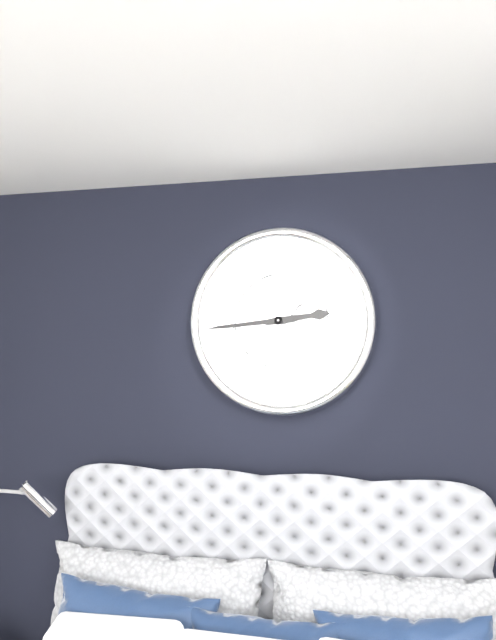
2:44
